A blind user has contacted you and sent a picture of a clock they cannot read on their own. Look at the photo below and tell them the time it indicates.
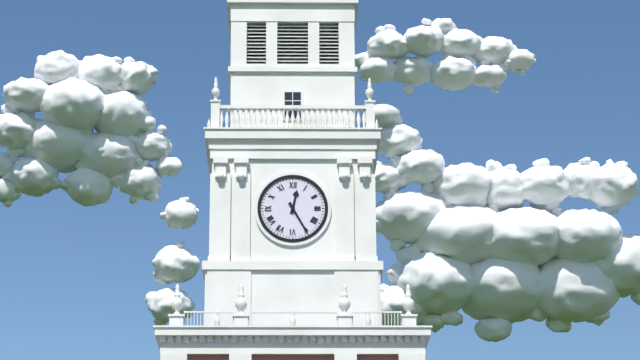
12:25
